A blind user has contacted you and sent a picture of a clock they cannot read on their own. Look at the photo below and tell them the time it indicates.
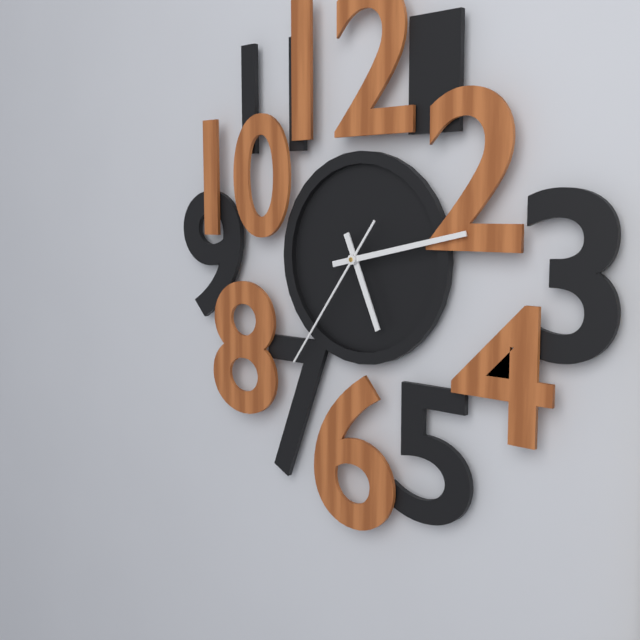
5:13:36
